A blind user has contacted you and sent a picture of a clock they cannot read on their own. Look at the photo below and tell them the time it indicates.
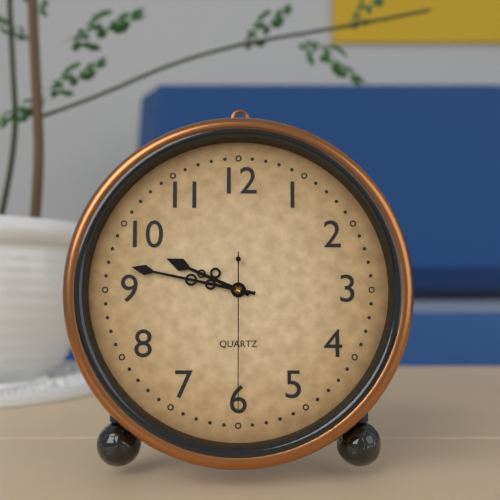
9:47:30
